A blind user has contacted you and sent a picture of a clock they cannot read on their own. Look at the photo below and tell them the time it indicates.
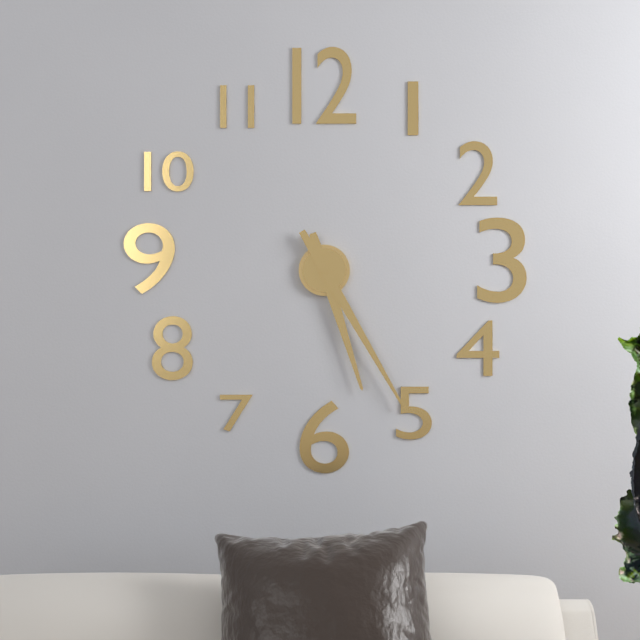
5:25
